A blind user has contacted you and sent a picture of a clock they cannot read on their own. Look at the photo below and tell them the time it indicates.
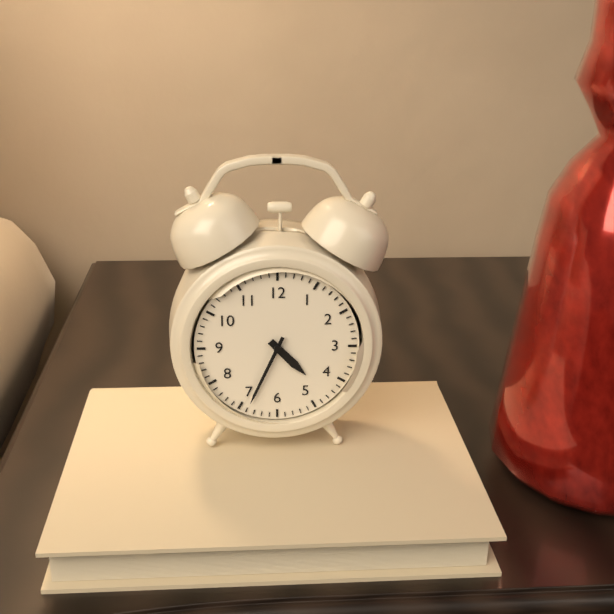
4:34
